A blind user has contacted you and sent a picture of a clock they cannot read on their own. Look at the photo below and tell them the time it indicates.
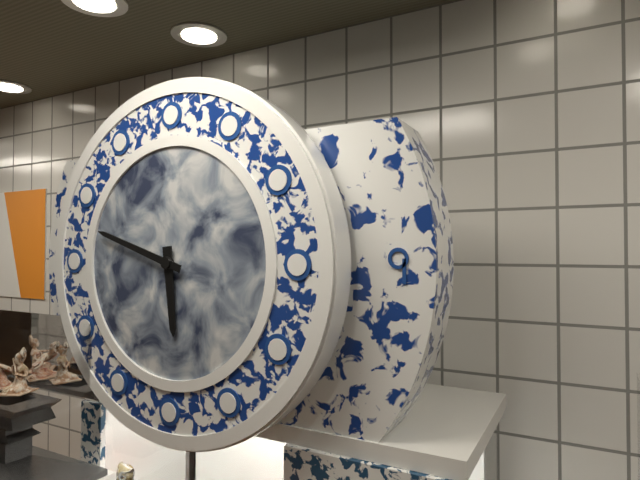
5:48
